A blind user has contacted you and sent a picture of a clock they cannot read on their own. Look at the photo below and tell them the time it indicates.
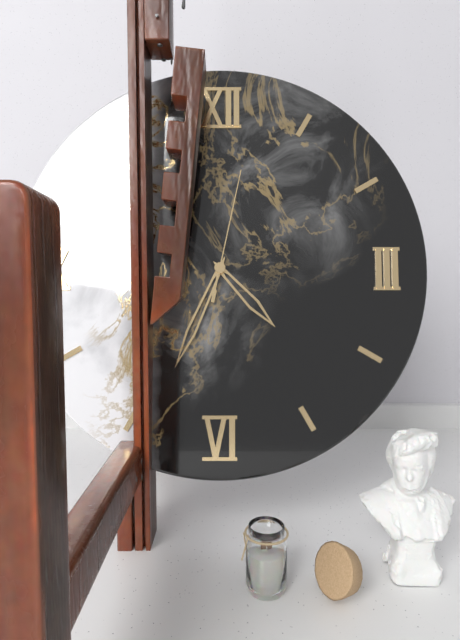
4:34:02
